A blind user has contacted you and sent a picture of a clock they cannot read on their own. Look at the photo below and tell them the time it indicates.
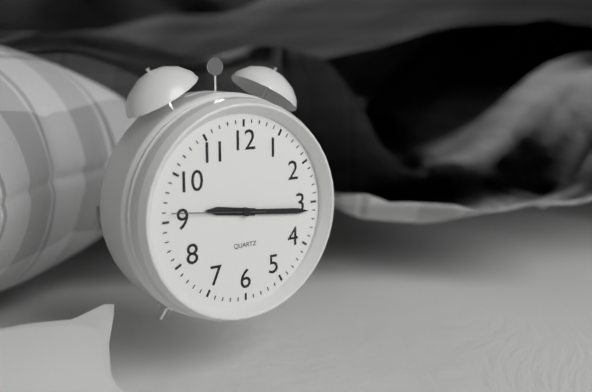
9:16:46
